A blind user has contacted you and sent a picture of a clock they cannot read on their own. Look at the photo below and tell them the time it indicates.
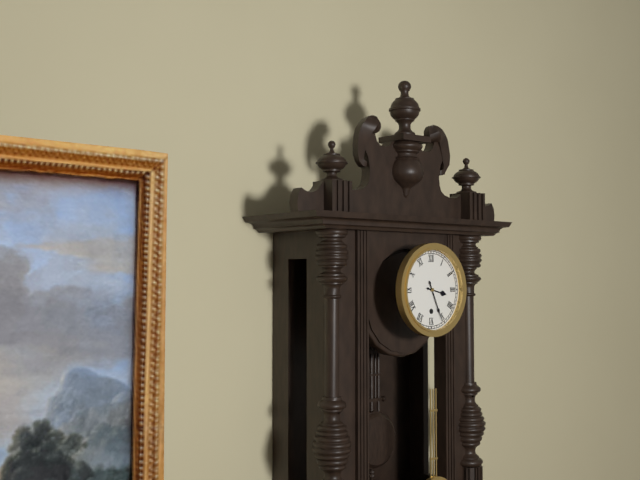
3:26
